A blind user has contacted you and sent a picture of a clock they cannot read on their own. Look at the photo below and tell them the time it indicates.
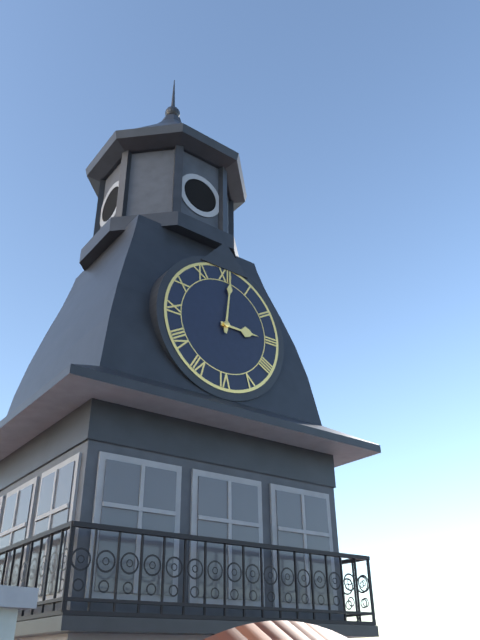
3:01
